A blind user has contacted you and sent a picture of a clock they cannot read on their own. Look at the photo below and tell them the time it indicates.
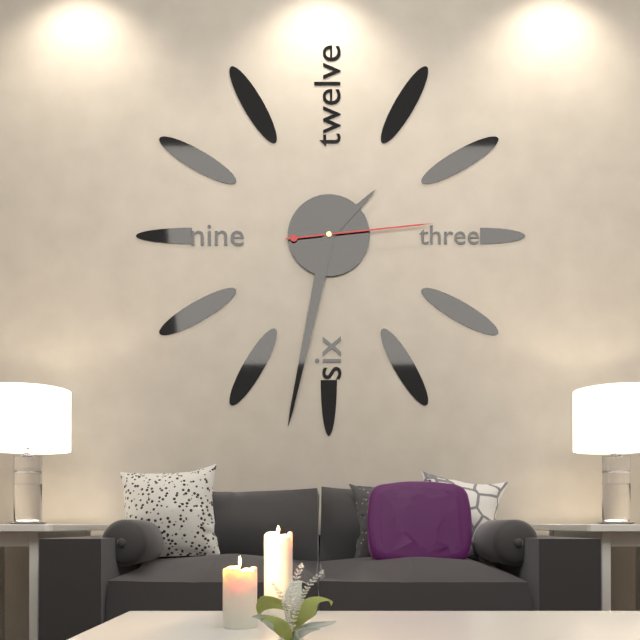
1:32:14
